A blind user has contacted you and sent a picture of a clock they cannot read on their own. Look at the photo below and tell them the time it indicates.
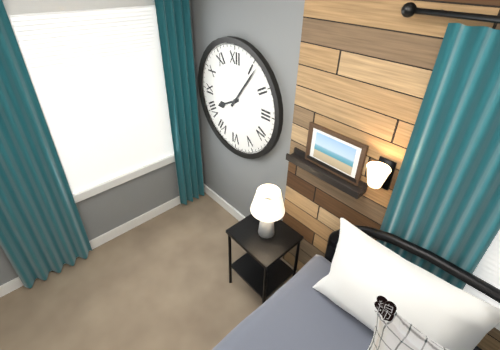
8:06
